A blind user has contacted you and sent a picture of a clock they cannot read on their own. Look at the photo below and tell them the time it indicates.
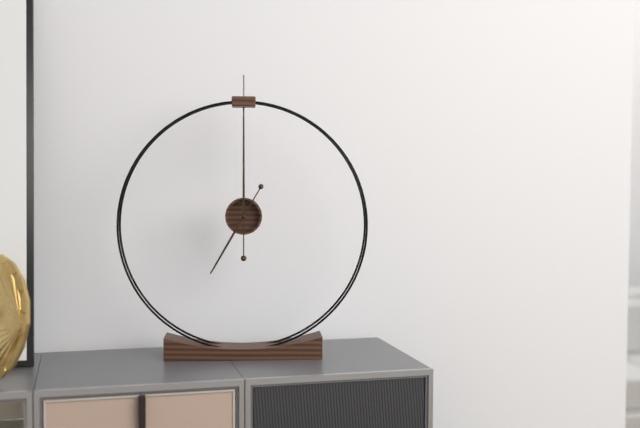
7:00
